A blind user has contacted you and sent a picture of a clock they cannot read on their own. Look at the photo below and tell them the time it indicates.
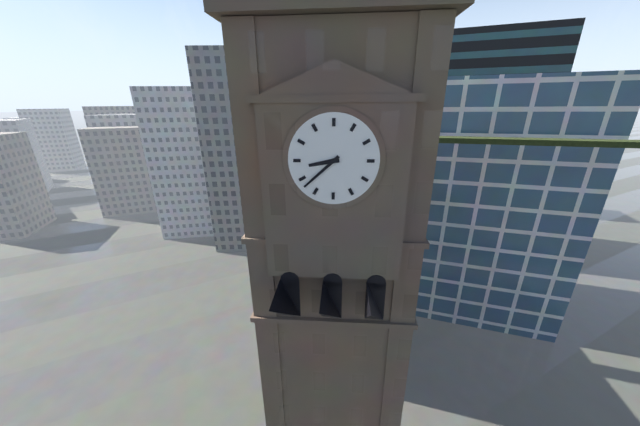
8:38
